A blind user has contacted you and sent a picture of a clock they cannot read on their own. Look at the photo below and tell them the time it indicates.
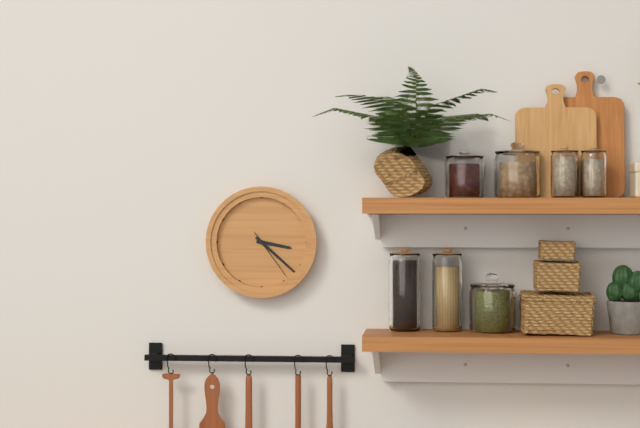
3:22:24
